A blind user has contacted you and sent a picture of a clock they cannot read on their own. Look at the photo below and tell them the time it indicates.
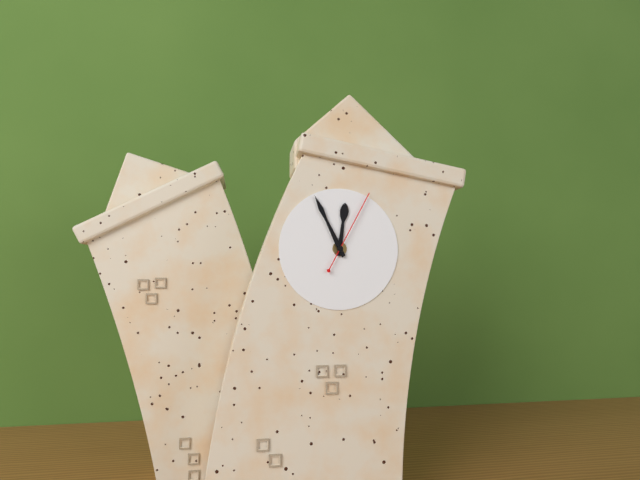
11:54:03
